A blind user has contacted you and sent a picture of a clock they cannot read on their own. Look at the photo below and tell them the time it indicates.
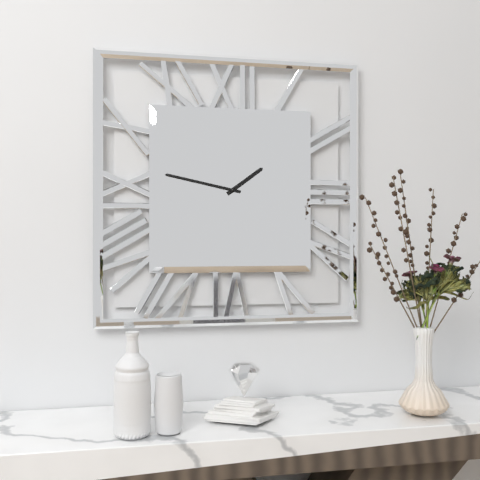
1:47
